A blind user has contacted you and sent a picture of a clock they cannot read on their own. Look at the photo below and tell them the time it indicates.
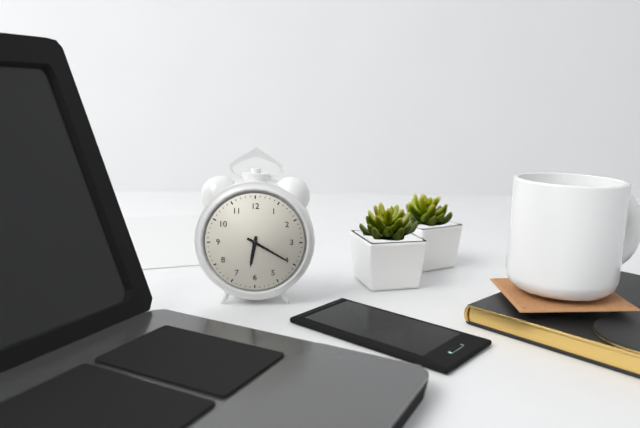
6:20
